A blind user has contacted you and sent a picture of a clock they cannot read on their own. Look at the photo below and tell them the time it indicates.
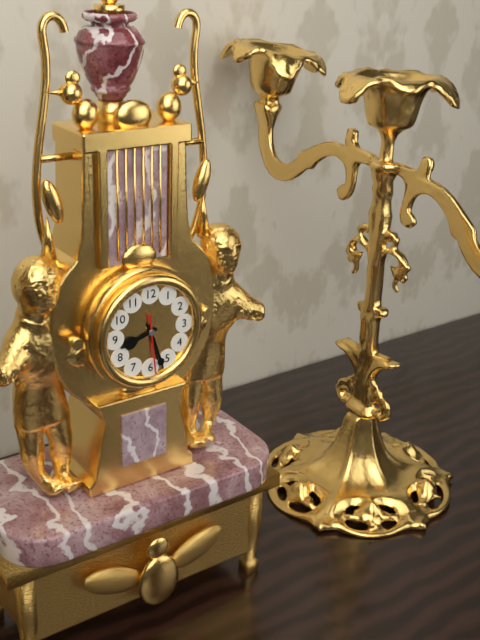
8:27:29
